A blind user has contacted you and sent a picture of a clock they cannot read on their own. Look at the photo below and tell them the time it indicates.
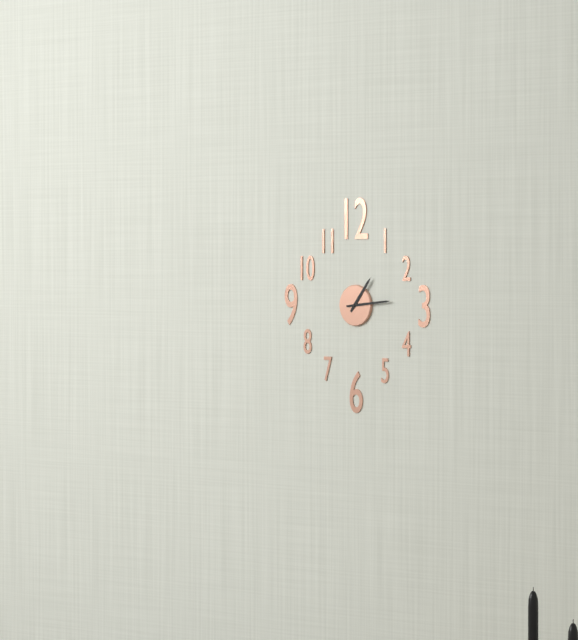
1:14
